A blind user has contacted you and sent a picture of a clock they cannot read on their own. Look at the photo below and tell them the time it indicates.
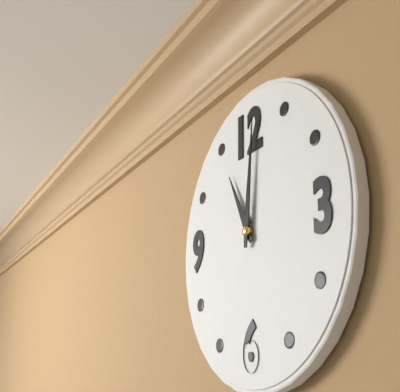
11:01
